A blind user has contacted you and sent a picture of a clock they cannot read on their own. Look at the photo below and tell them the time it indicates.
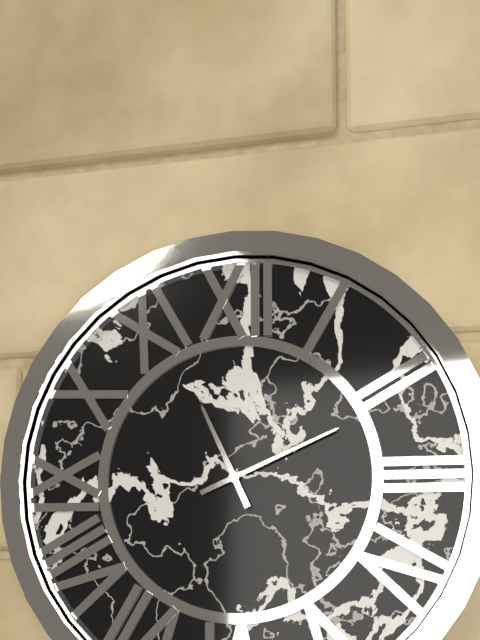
11:11
